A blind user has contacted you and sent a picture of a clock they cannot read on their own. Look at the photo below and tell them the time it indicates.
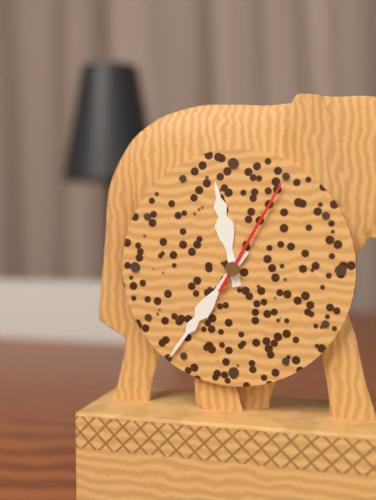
11:36:05
